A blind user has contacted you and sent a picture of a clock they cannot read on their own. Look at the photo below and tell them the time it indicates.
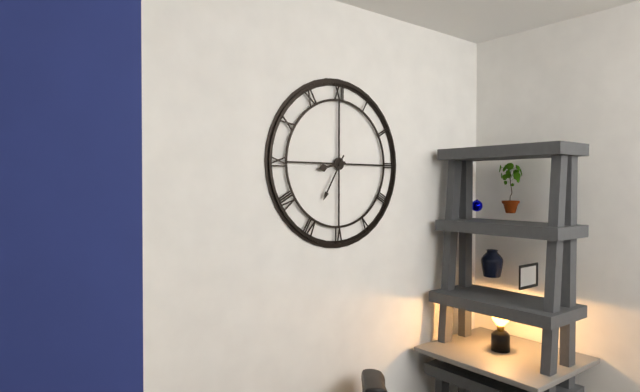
8:35
